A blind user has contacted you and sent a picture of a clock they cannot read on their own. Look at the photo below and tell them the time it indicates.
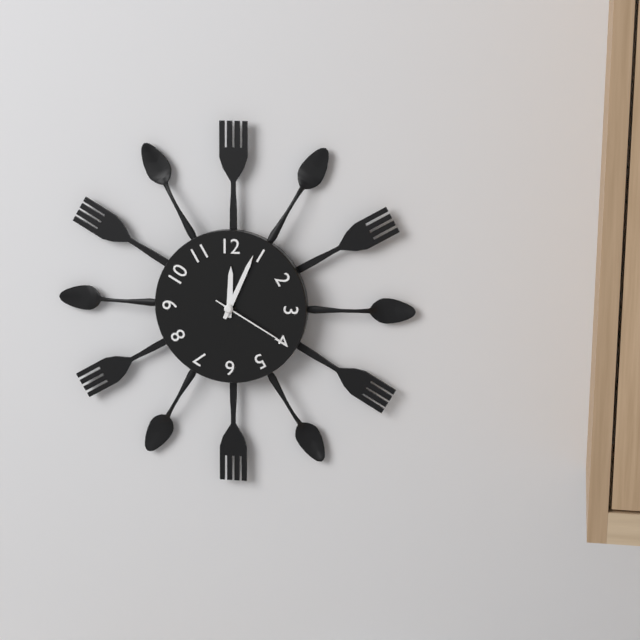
12:04:20
